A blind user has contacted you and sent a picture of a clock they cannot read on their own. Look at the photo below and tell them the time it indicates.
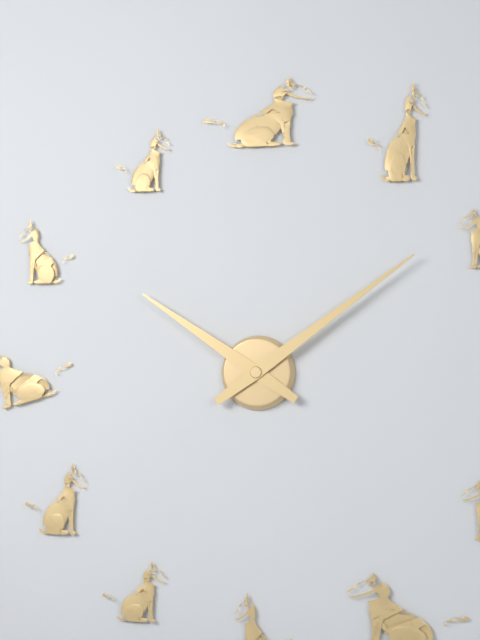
10:09
